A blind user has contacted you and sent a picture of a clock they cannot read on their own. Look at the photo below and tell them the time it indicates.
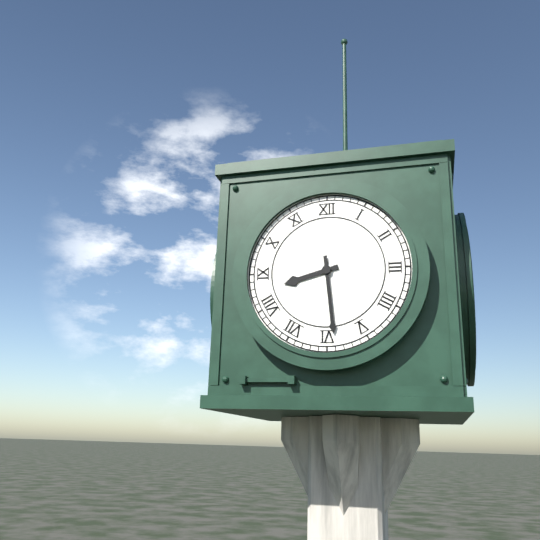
8:29
